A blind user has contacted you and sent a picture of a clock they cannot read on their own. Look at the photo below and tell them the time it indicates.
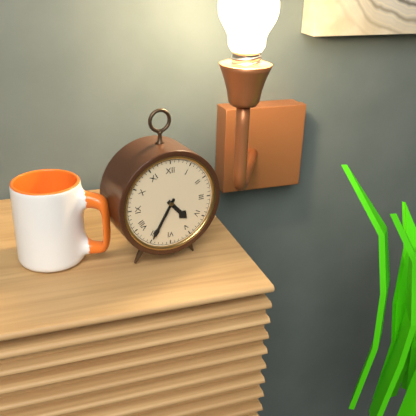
4:35
